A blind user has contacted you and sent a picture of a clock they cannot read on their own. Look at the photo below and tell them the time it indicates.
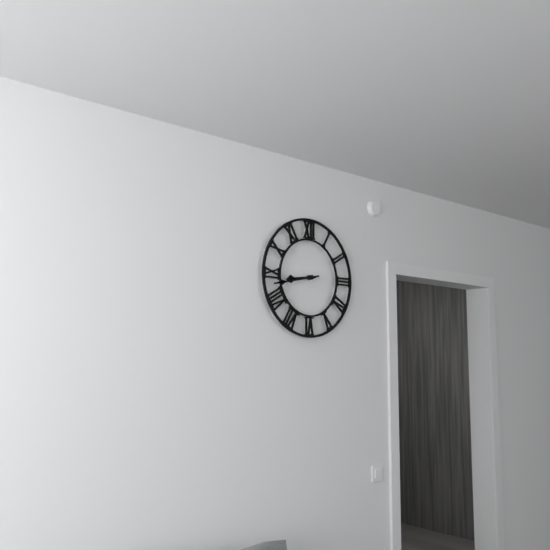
8:43
